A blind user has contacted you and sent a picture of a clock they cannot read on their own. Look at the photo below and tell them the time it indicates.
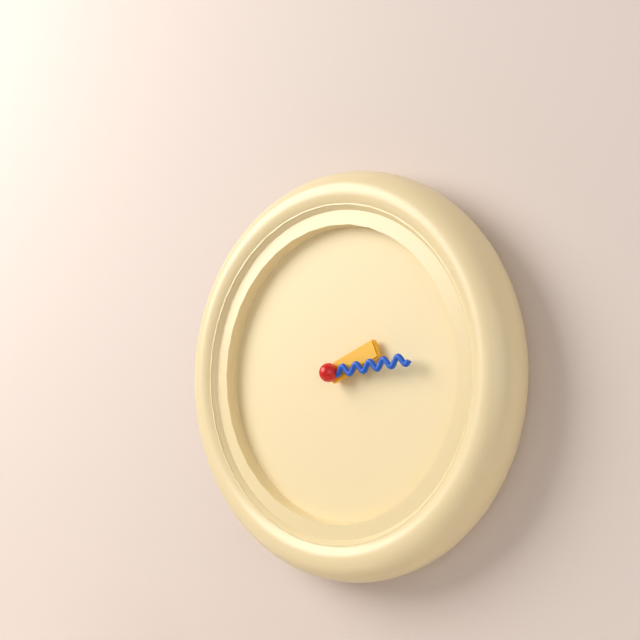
2:14
